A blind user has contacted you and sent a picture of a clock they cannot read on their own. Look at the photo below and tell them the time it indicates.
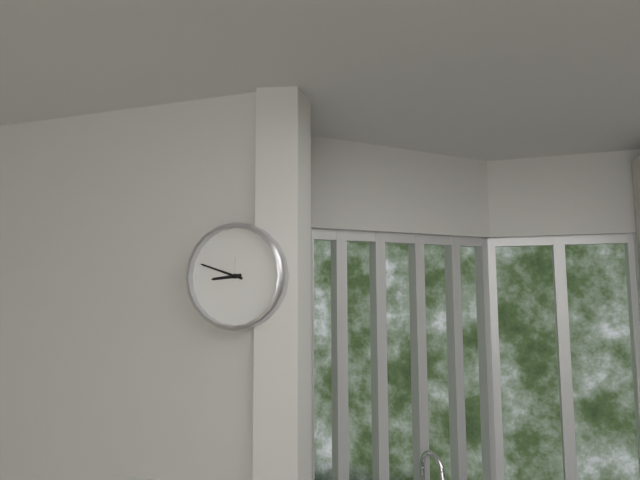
8:48
